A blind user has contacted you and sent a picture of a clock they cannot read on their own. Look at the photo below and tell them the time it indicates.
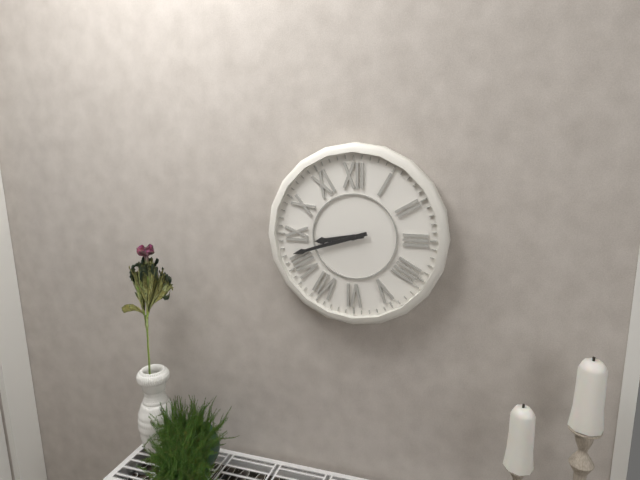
8:42
